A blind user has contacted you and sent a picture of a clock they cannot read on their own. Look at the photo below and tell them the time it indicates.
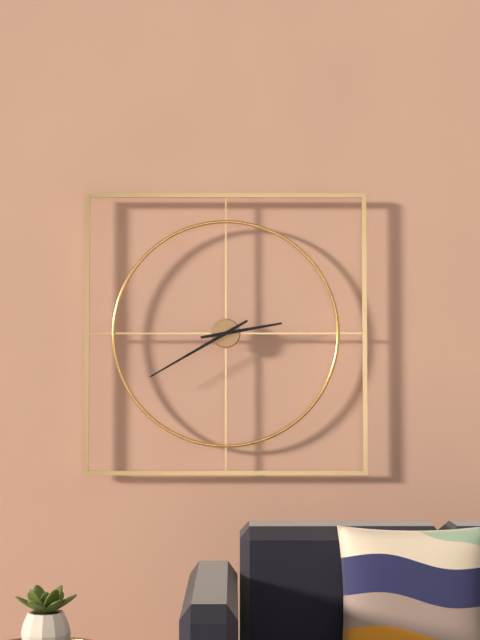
2:40
